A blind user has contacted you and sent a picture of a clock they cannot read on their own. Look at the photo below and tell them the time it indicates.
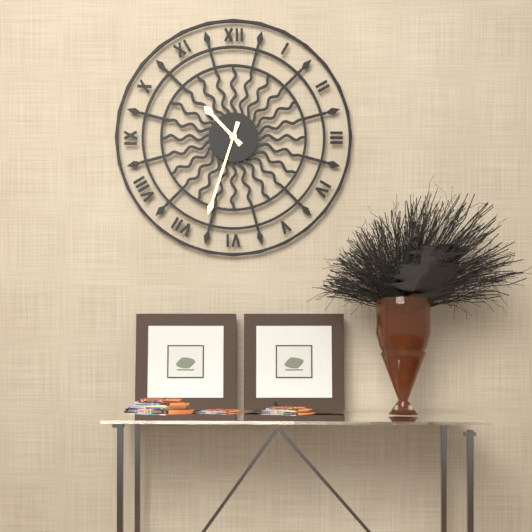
10:33
